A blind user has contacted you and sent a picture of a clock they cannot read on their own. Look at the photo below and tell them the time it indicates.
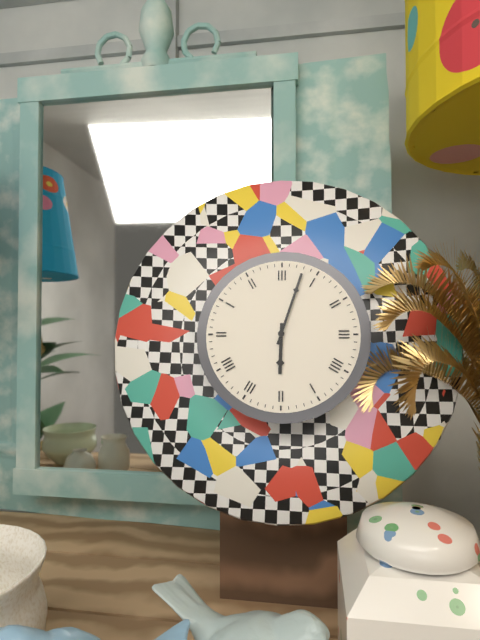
6:03
